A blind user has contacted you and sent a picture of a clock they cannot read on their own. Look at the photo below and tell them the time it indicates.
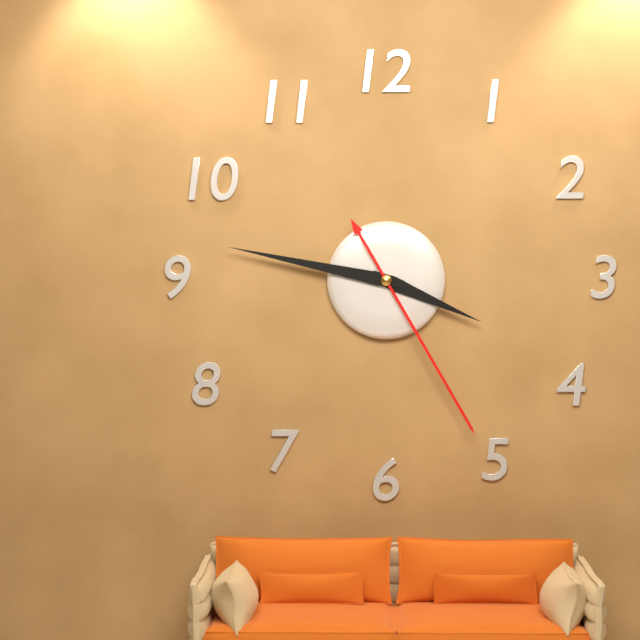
3:47:25
